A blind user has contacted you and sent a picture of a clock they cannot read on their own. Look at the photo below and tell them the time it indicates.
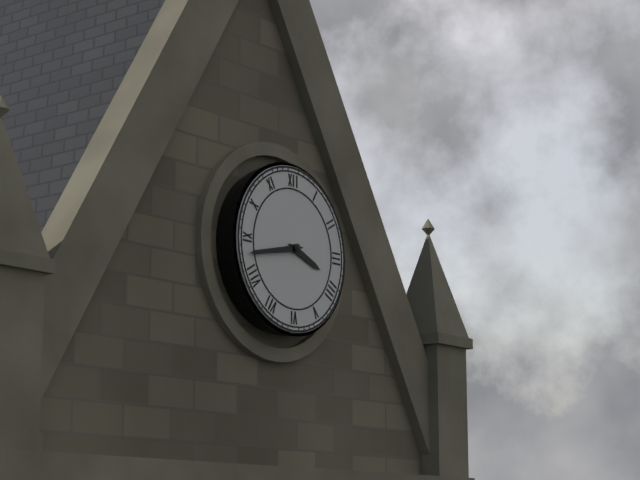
3:43
